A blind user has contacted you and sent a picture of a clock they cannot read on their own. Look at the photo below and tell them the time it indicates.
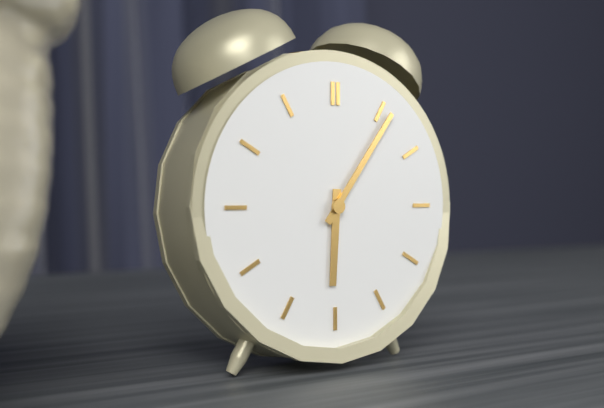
6:06
